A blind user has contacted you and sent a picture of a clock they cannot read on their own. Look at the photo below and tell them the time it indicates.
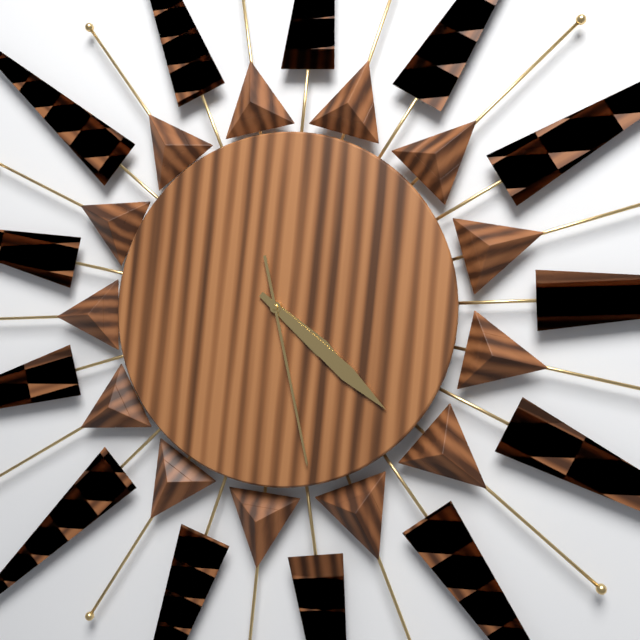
4:22:28
